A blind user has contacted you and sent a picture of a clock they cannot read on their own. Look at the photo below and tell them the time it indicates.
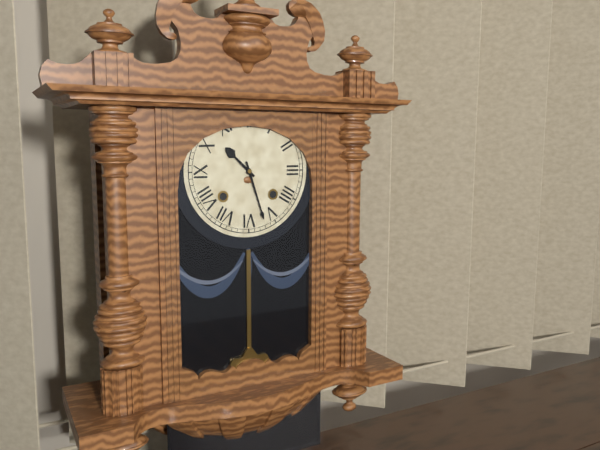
10:27
